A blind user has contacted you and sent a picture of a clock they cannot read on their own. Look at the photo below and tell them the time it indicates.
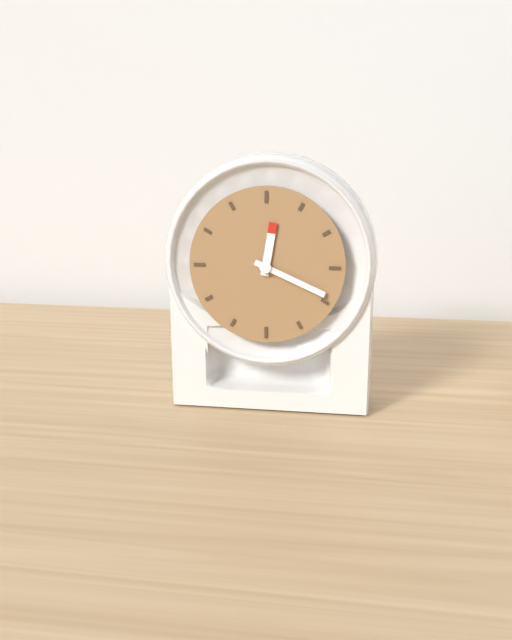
12:19
